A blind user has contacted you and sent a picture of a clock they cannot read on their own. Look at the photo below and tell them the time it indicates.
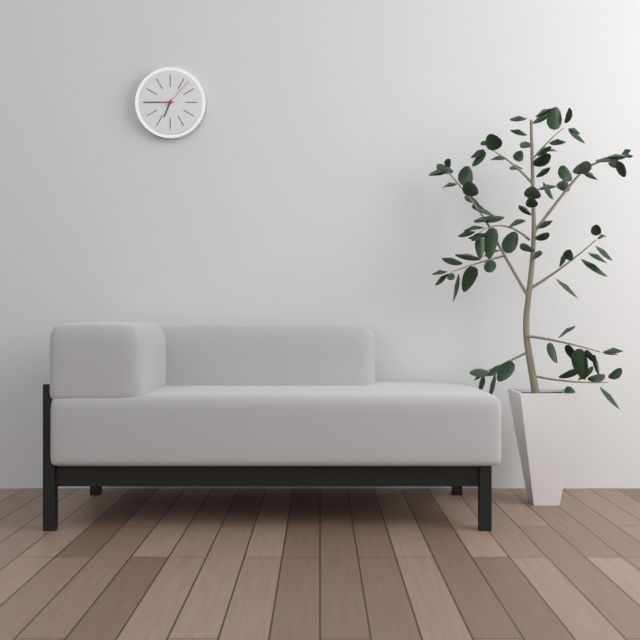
6:45
